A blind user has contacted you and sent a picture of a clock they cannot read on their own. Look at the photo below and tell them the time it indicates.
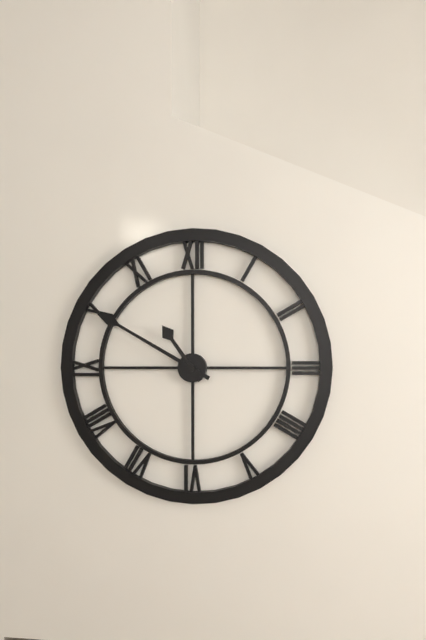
10:50
